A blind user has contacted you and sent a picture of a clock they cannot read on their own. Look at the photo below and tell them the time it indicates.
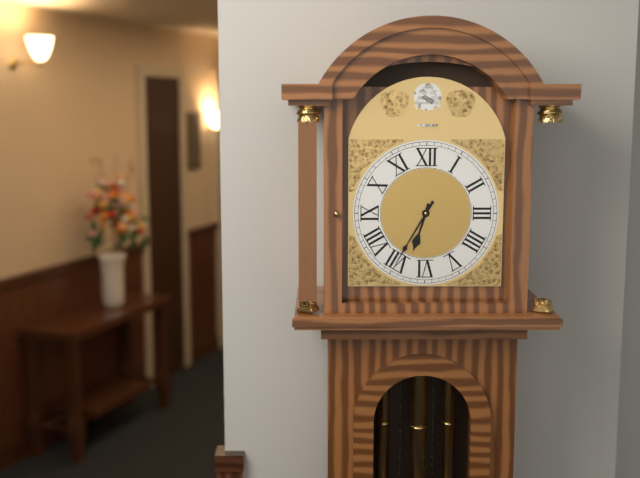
6:35
